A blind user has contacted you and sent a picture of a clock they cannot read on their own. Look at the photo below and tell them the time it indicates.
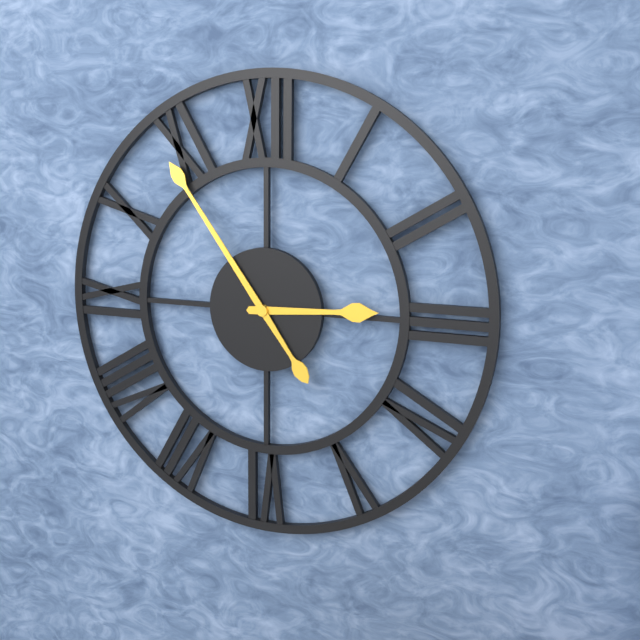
2:54
